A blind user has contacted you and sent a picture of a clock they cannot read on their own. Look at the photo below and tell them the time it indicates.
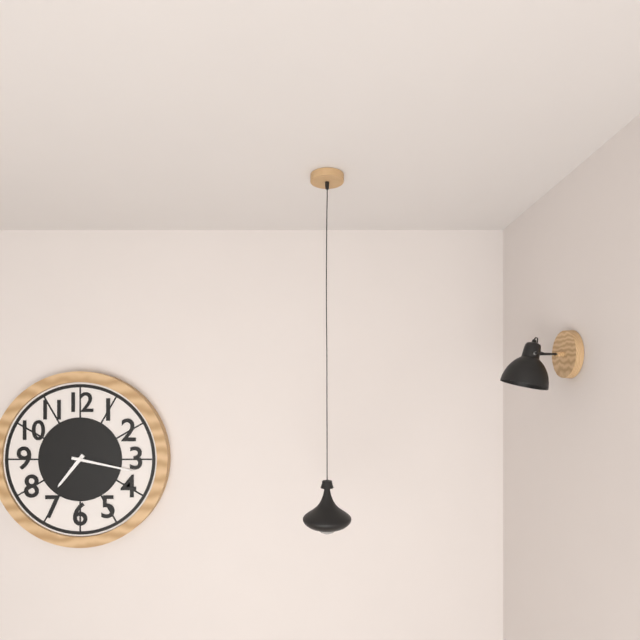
7:17
